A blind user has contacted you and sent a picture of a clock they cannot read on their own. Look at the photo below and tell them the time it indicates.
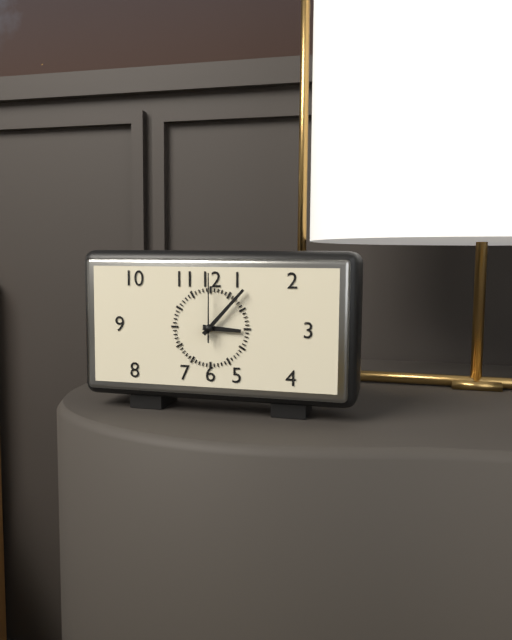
3:07:00
